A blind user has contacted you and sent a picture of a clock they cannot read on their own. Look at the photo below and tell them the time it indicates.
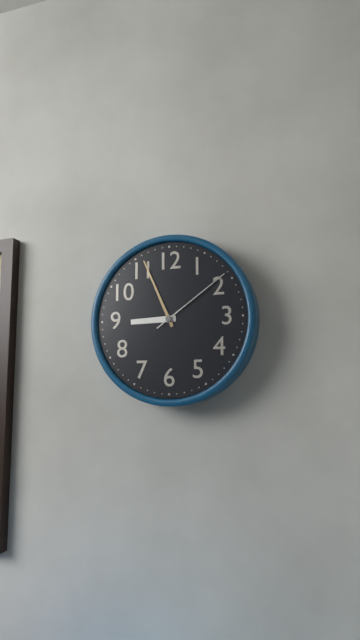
8:56:09
